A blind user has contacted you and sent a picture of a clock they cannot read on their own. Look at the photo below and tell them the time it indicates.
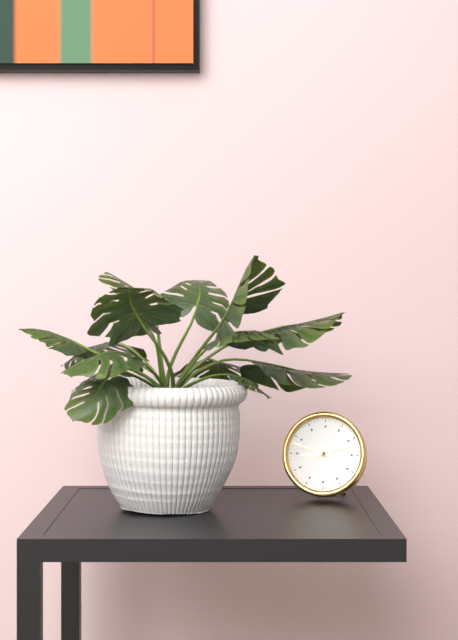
8:48
